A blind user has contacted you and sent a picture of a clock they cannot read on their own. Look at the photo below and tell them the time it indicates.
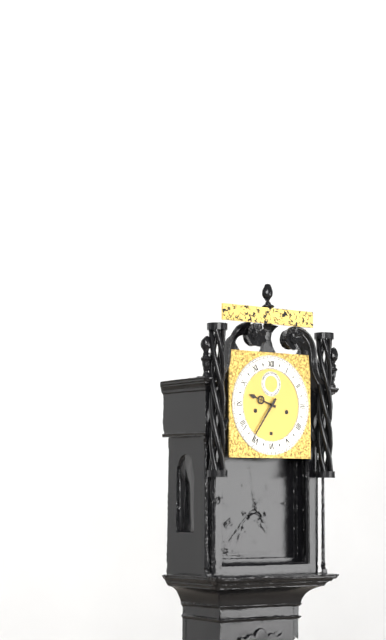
9:36
